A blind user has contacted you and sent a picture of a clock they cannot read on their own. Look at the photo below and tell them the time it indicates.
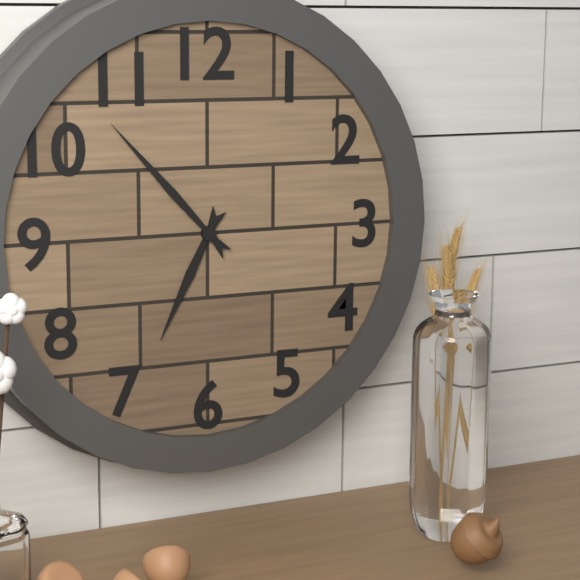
6:53
